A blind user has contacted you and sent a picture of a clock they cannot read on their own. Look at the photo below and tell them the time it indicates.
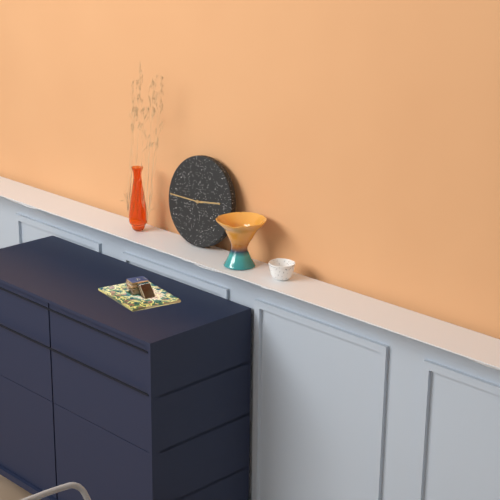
2:45
